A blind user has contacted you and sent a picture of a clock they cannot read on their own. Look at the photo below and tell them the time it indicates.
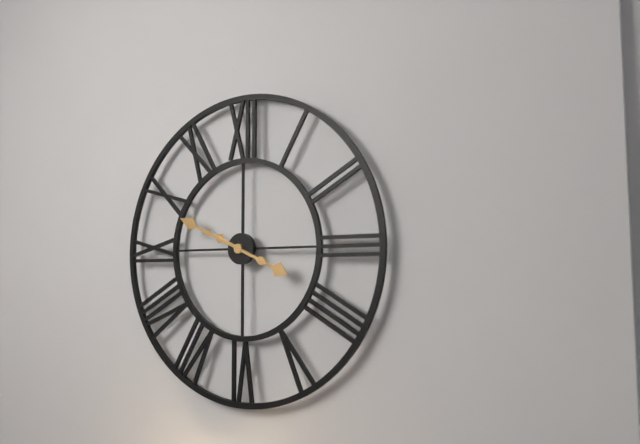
3:49
